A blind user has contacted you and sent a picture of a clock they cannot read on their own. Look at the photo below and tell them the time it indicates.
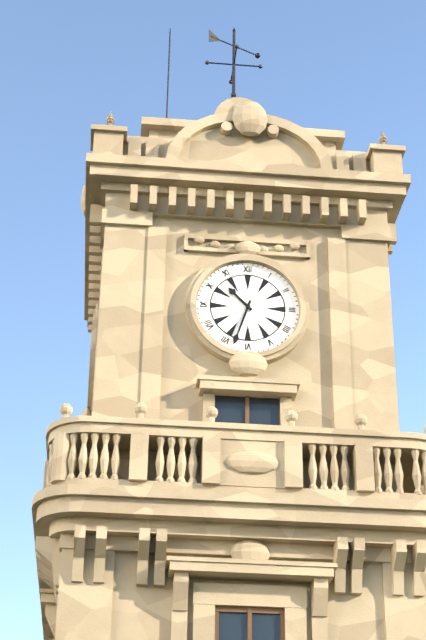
10:33
